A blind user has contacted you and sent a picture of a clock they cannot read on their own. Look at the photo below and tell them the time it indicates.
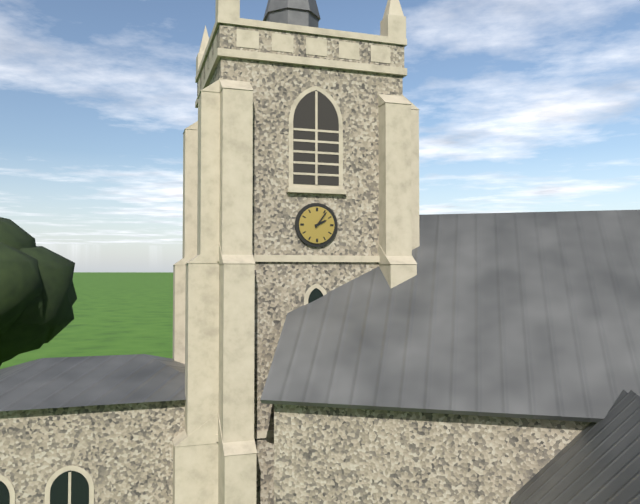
2:06
